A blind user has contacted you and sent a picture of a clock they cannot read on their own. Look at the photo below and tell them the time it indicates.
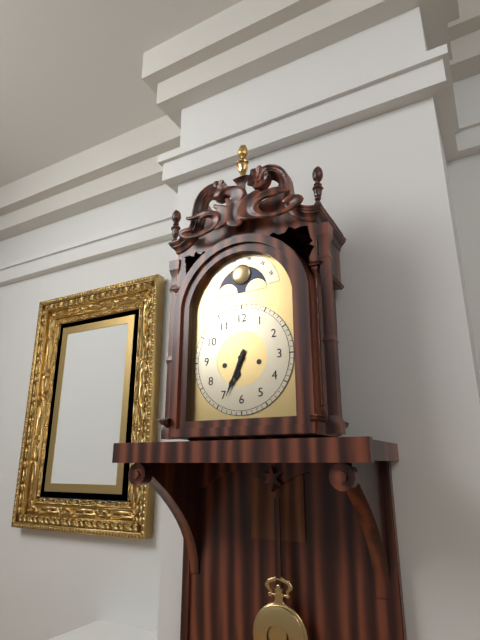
6:34
